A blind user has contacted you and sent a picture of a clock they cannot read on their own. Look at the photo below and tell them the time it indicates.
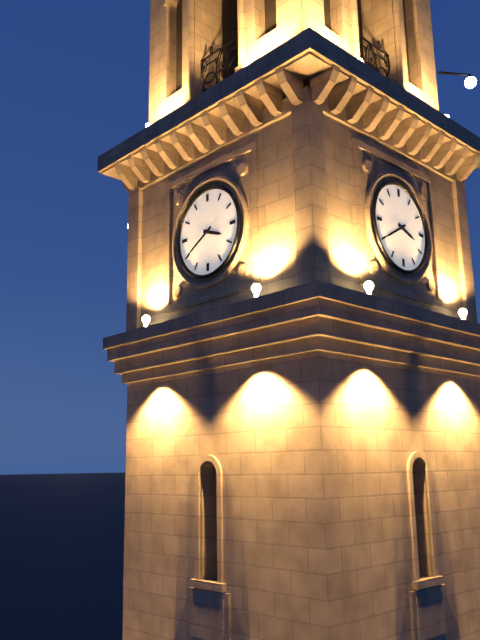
3:40
